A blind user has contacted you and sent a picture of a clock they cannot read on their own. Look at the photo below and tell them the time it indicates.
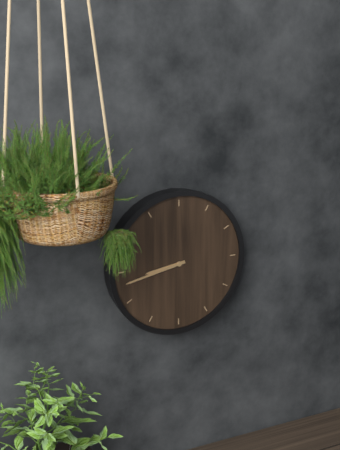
8:43
